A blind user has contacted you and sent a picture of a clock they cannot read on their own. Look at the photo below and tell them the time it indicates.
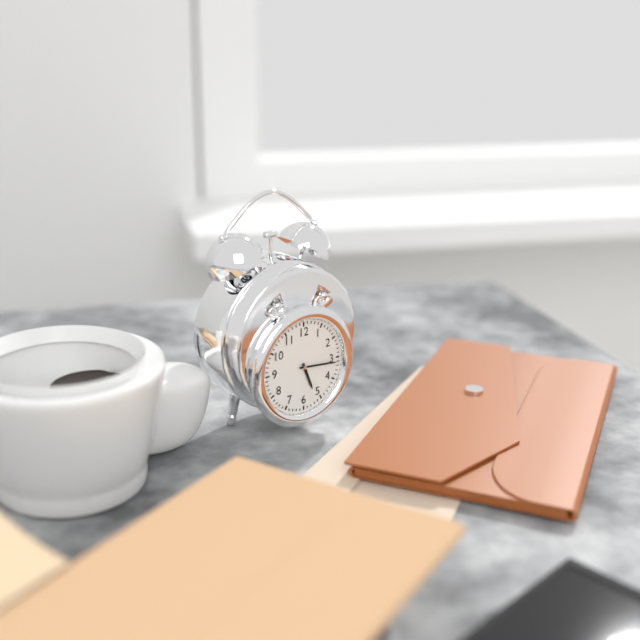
5:16
